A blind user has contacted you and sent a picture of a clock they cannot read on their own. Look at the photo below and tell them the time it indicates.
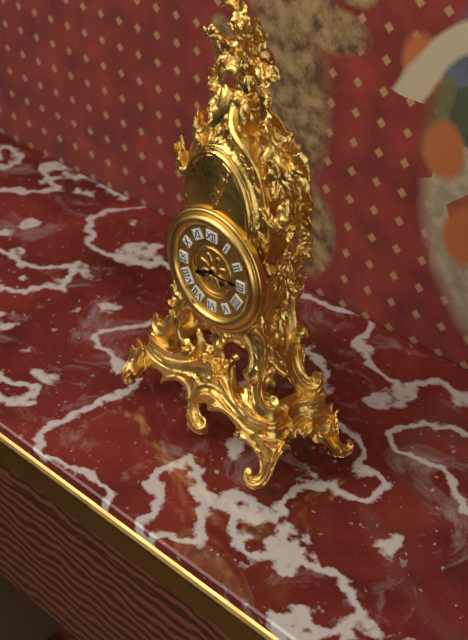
8:15
